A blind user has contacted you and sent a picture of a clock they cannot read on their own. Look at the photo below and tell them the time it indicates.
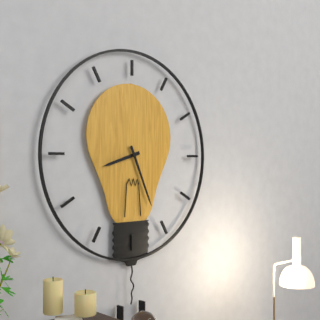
8:26
